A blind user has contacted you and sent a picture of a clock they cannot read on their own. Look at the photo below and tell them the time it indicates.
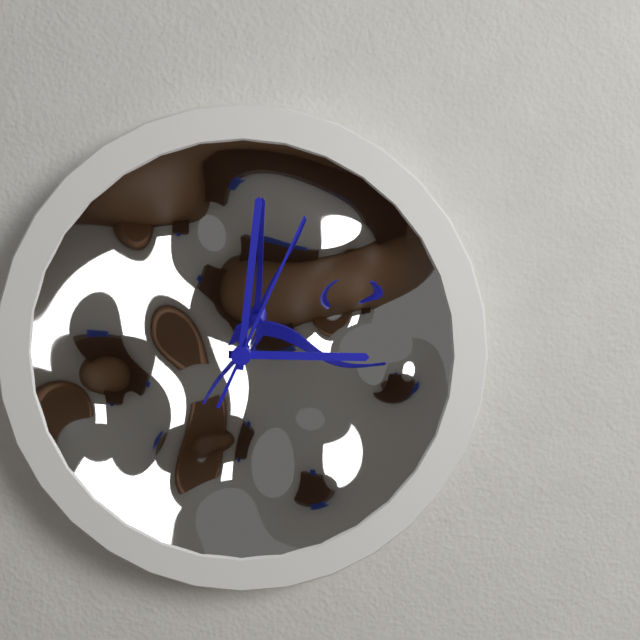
3:01:04
